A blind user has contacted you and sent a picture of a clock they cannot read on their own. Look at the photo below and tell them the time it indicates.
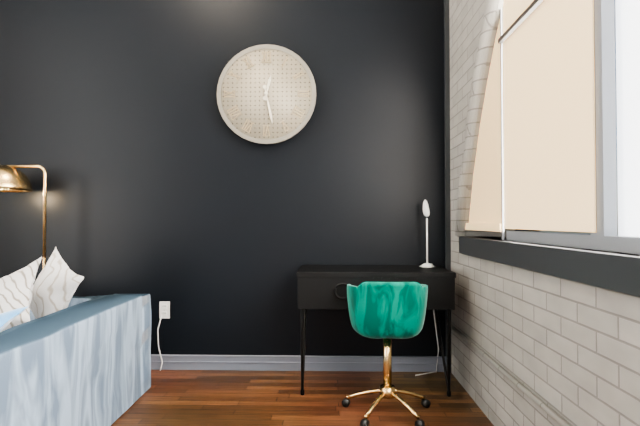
12:28
